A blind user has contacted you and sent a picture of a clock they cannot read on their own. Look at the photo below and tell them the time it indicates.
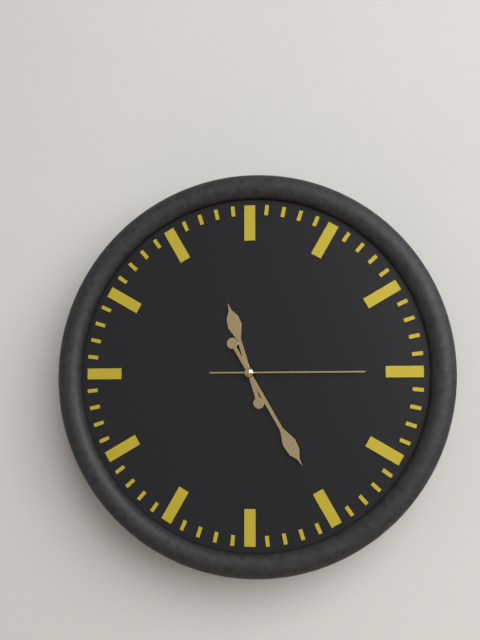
11:25:15
